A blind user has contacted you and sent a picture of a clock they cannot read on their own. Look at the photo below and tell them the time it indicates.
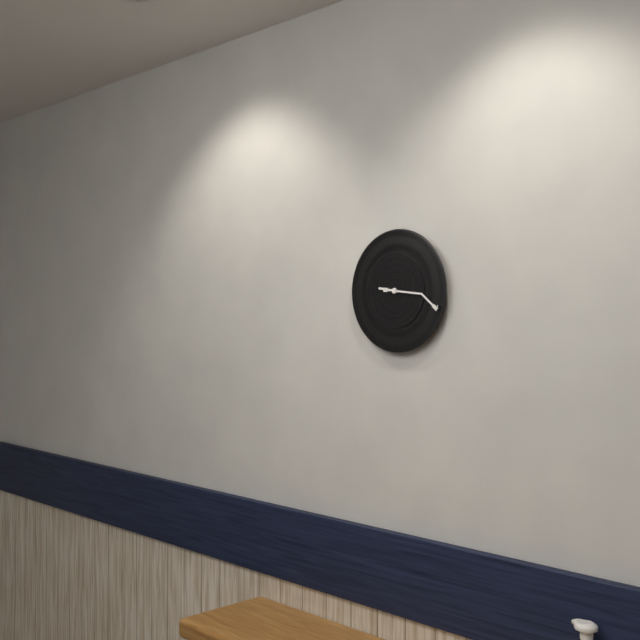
9:16
